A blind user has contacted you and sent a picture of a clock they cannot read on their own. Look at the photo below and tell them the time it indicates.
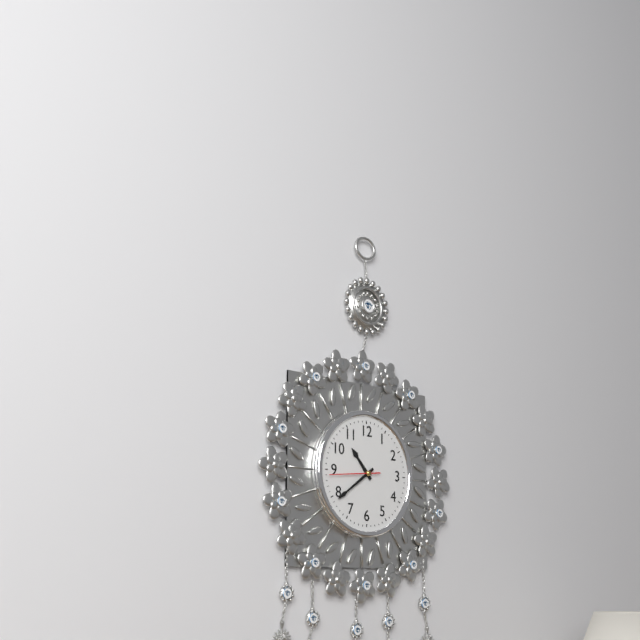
10:39
